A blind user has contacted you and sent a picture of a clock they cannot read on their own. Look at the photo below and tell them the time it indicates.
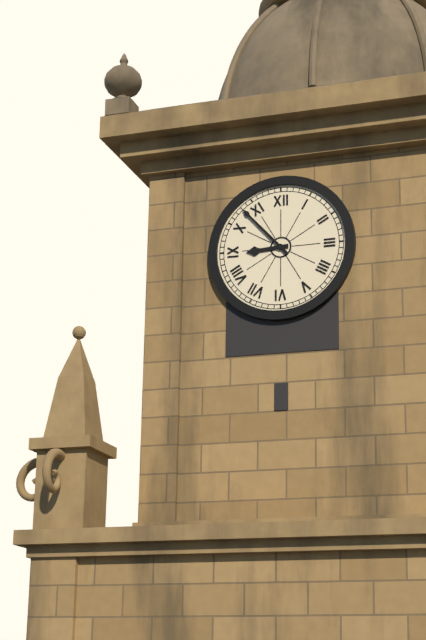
8:53
